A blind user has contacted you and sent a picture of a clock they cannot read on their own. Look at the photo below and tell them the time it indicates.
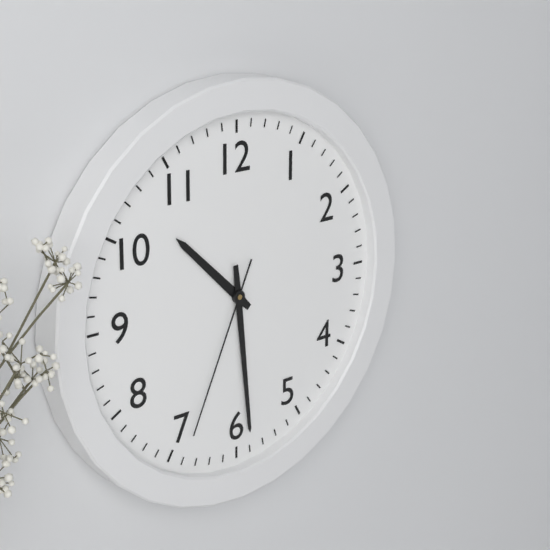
10:29:34
